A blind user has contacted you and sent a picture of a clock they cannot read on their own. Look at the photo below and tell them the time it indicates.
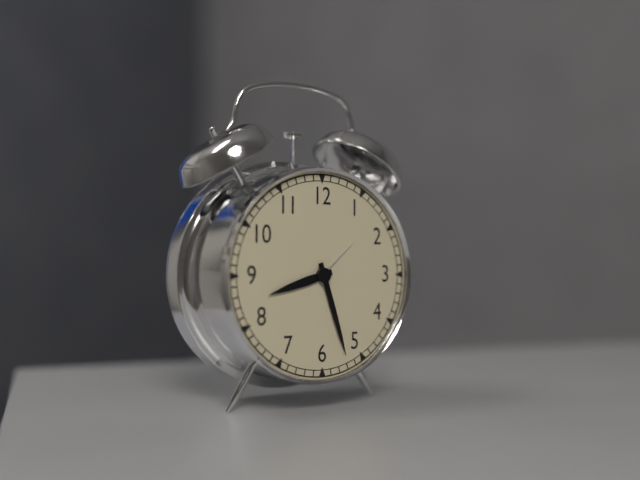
8:27
